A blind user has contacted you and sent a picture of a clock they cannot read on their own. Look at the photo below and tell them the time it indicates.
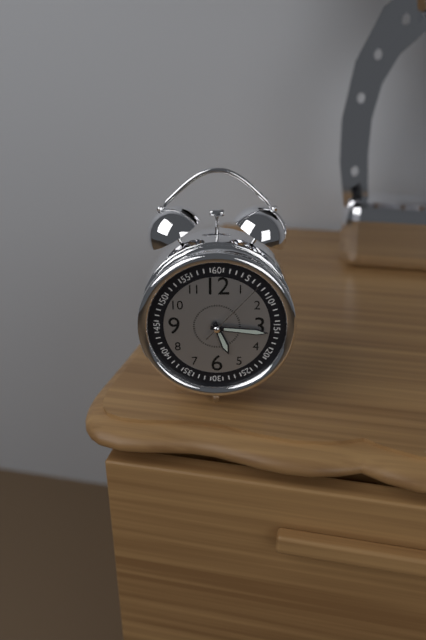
5:16:07
